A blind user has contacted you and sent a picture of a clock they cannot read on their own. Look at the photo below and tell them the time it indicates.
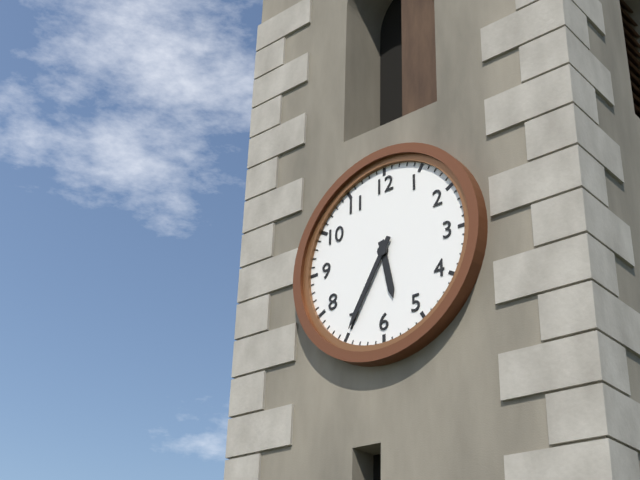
5:35
